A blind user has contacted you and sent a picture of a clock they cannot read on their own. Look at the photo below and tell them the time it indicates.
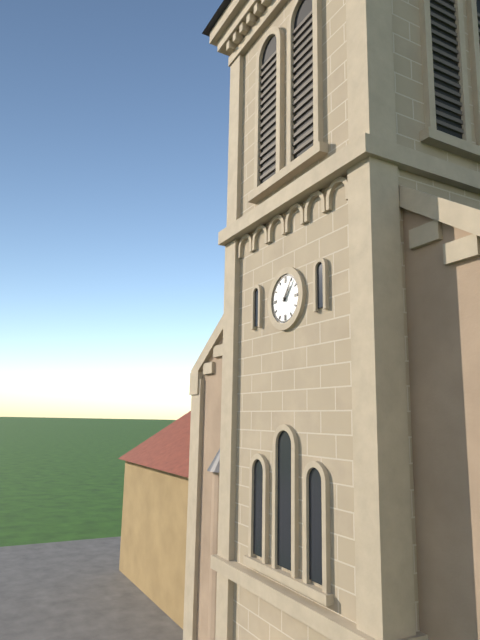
1:06
